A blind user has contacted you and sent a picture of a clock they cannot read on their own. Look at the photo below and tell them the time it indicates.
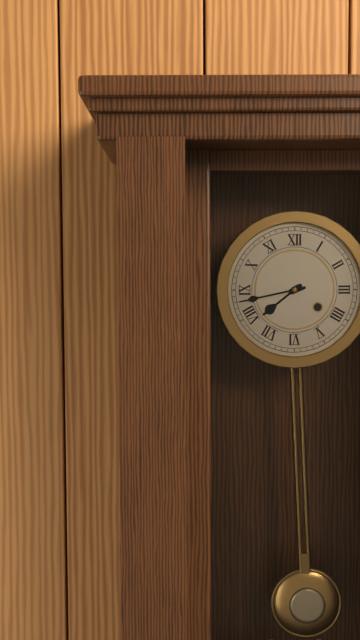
7:43
